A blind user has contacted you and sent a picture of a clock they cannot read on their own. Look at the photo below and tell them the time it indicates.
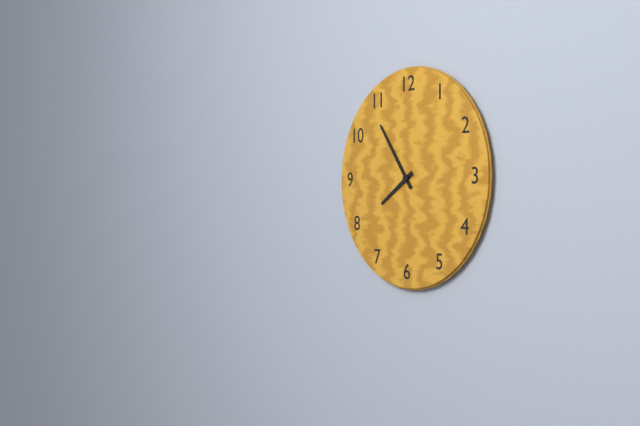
7:54
